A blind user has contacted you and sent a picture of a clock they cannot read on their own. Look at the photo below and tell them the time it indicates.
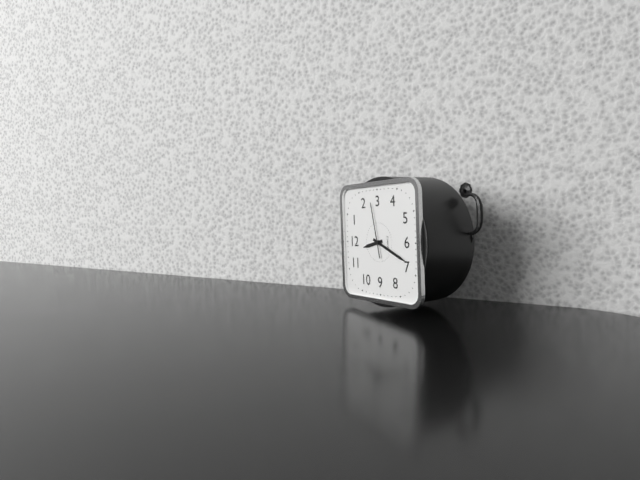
11:34:13
